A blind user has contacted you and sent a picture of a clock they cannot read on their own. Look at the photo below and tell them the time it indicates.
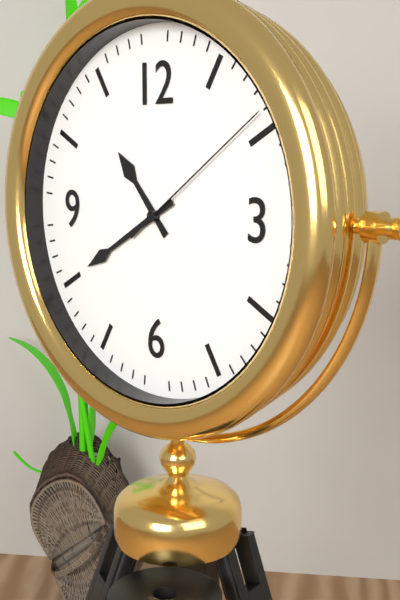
10:40:09
